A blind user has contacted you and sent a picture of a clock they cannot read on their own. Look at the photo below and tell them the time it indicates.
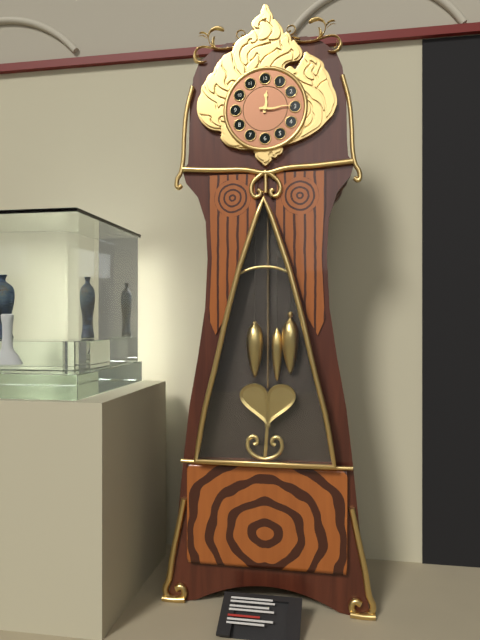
12:15
